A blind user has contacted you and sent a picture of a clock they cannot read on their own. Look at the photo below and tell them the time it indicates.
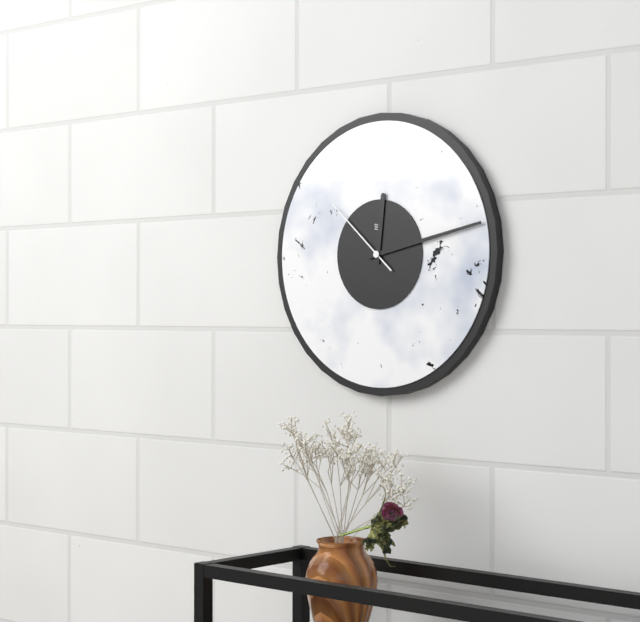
12:13:52
